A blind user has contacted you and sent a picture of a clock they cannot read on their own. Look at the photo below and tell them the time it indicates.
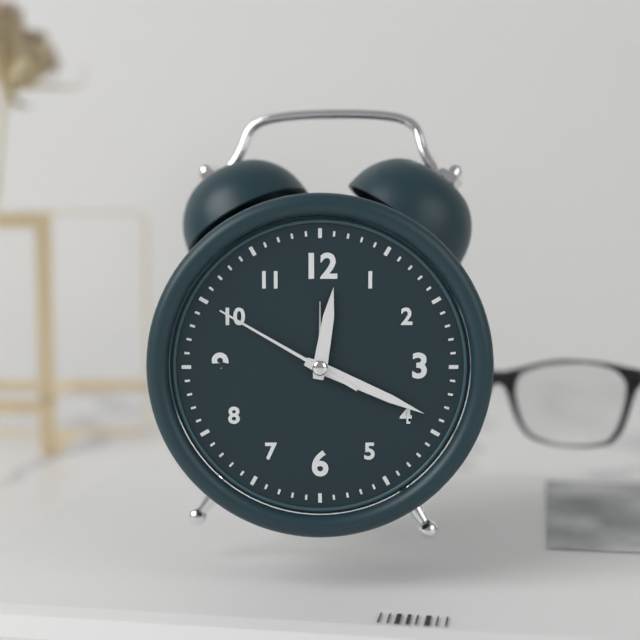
12:19:50
